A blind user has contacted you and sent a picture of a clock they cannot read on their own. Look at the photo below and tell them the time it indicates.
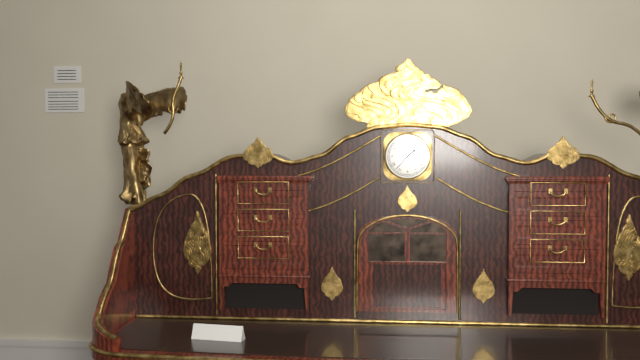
1:37
